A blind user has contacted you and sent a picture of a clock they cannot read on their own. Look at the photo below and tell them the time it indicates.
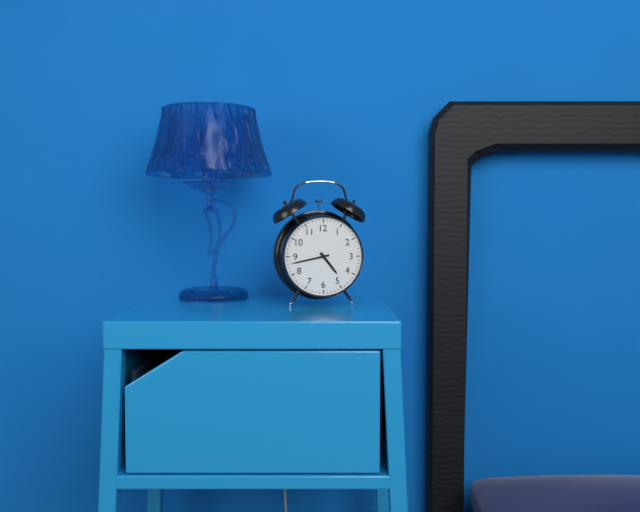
4:43
